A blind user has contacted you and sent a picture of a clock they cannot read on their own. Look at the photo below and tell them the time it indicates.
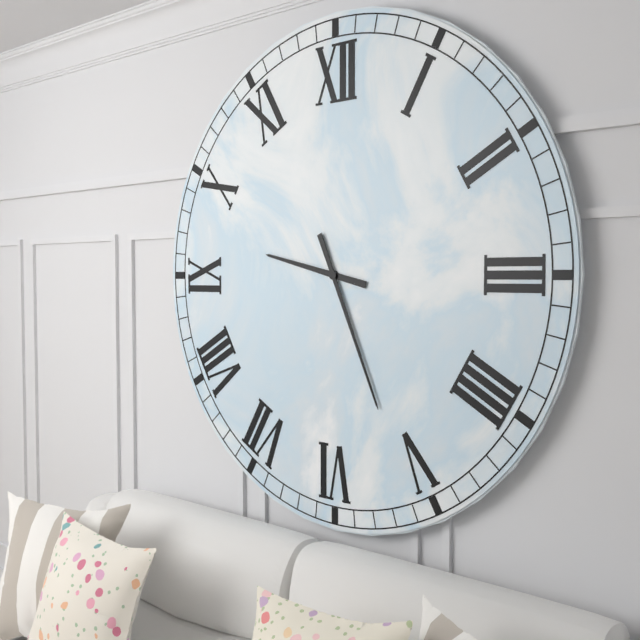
9:26
